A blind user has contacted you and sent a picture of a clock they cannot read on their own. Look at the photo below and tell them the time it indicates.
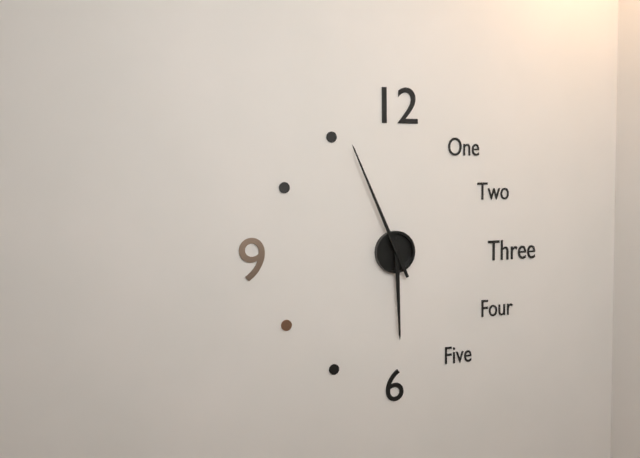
5:56
